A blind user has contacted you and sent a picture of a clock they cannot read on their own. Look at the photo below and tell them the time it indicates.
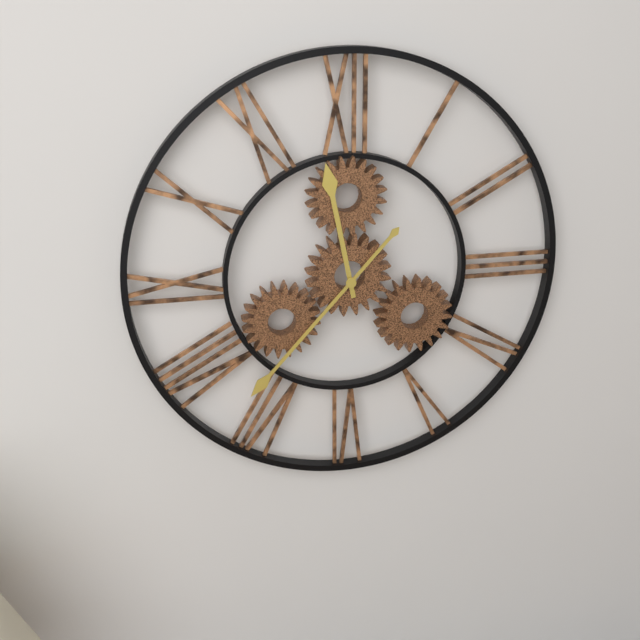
11:37
